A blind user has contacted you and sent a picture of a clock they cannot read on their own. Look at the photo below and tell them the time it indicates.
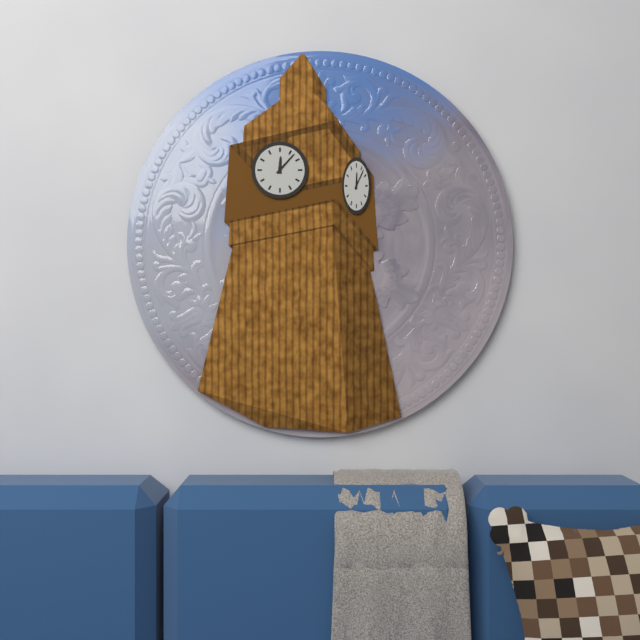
12:07
